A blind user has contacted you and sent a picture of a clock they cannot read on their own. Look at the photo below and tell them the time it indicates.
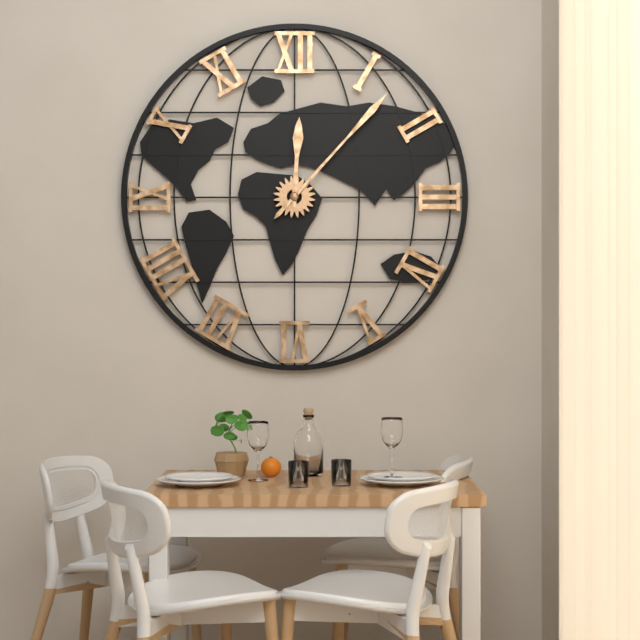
12:07
